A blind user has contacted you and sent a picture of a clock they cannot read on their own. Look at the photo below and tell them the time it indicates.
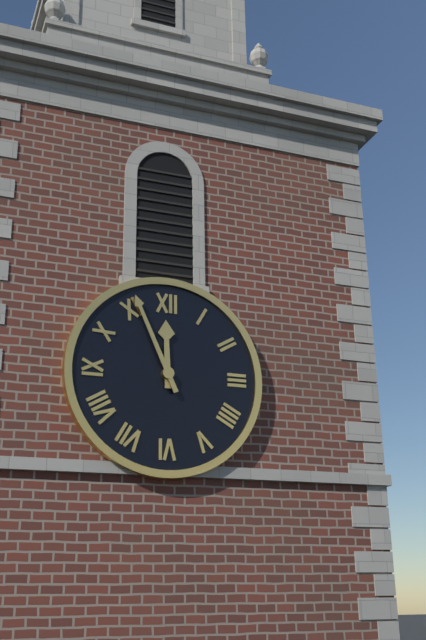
11:56
